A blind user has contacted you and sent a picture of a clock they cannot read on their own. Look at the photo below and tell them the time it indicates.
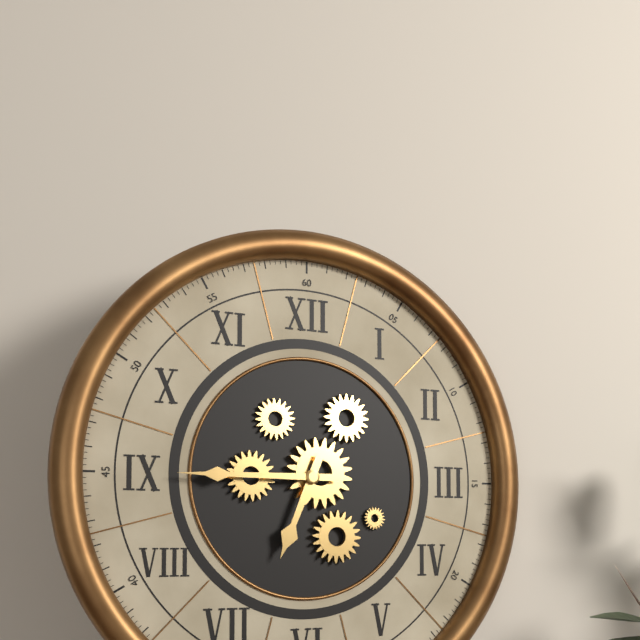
6:45
